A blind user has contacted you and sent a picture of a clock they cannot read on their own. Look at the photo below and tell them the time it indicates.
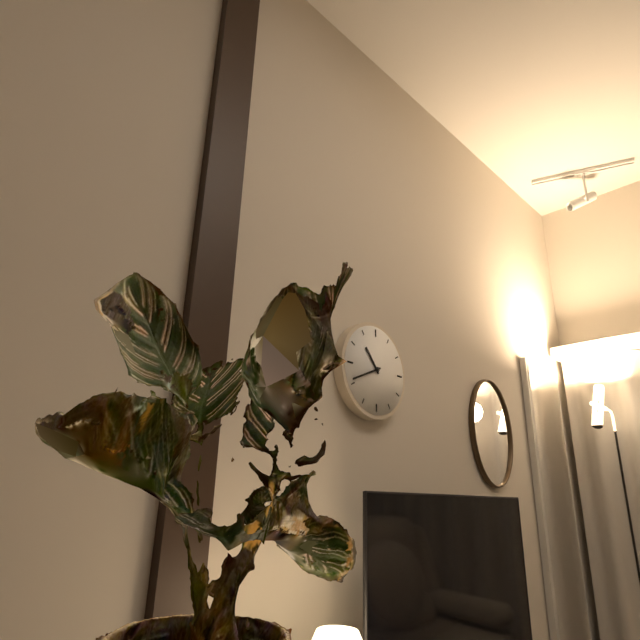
10:41
